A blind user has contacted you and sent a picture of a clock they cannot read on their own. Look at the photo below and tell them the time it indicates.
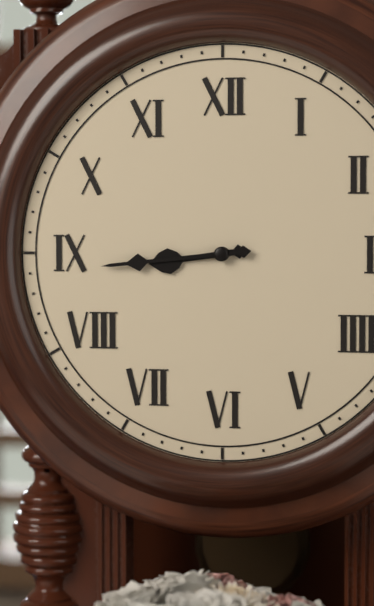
8:44
